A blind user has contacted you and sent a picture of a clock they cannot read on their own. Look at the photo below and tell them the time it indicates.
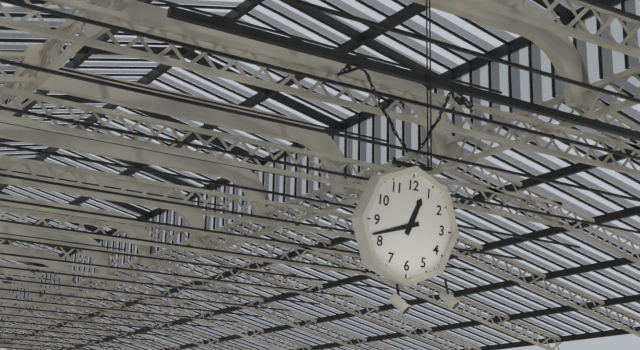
12:42
